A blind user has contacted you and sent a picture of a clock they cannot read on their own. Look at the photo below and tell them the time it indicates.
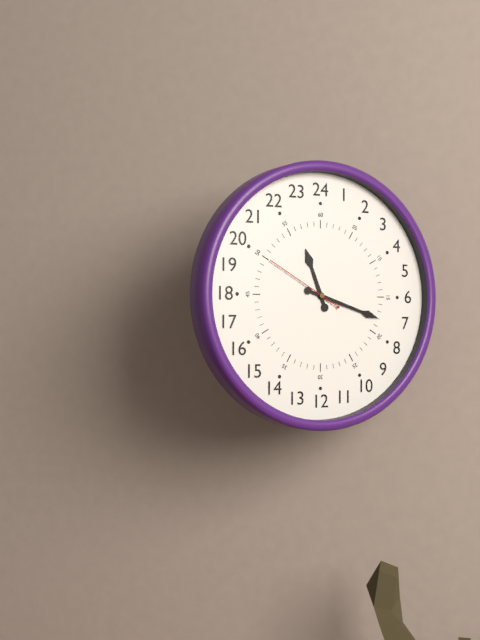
11:18:50
